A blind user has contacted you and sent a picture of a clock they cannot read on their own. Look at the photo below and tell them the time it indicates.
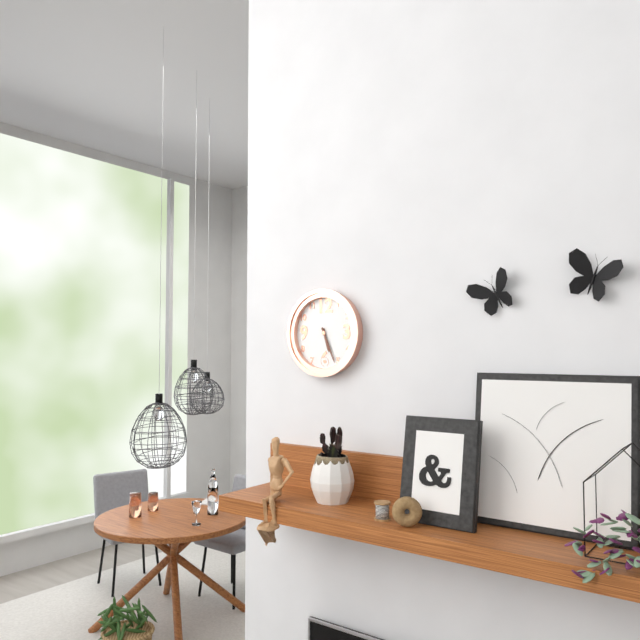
5:26
